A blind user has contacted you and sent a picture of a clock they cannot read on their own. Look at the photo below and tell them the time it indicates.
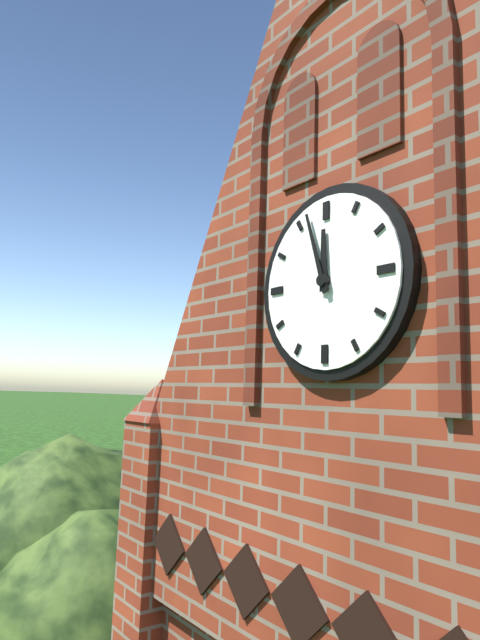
11:57
